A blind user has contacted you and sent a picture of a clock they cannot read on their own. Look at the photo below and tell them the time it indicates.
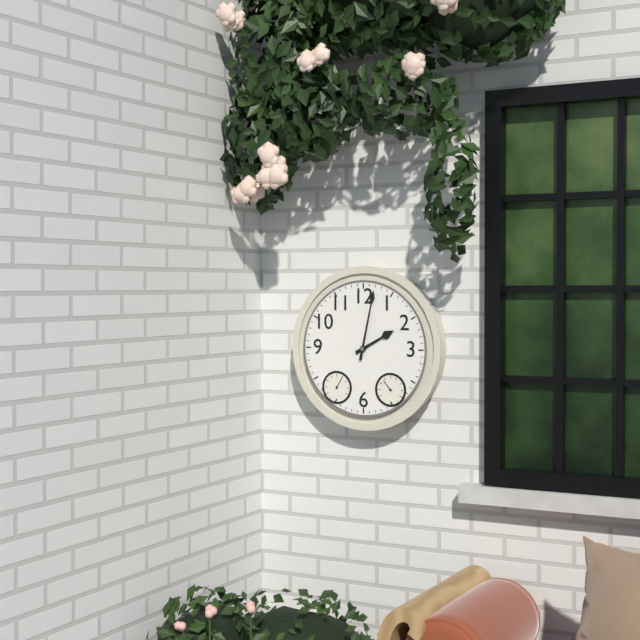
2:02
